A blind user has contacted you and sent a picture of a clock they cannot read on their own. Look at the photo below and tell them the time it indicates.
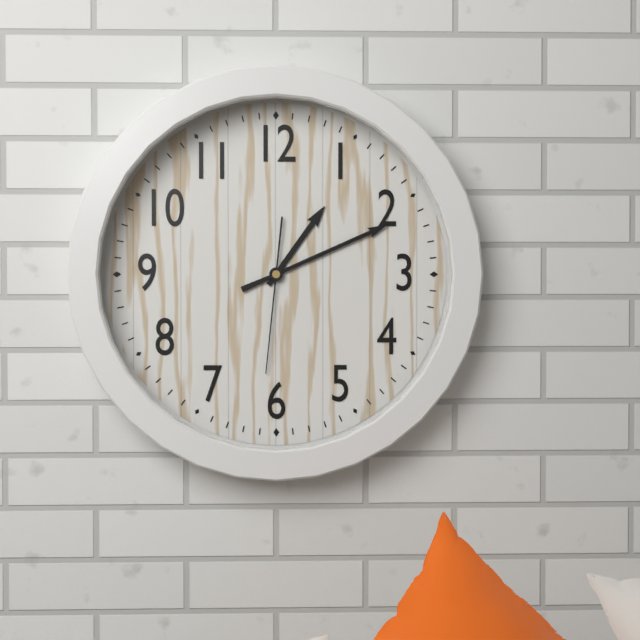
1:11:31
